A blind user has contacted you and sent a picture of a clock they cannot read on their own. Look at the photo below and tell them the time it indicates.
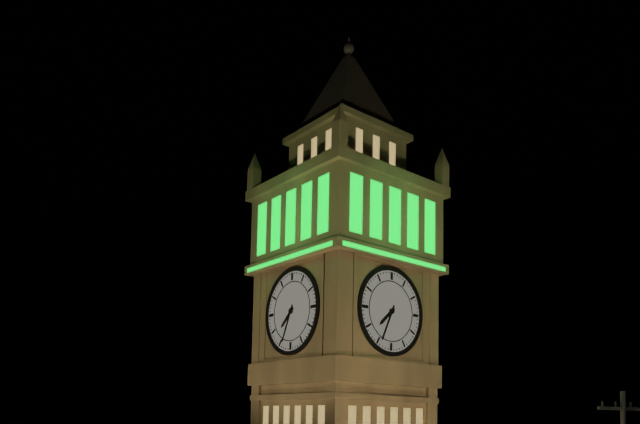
7:34
